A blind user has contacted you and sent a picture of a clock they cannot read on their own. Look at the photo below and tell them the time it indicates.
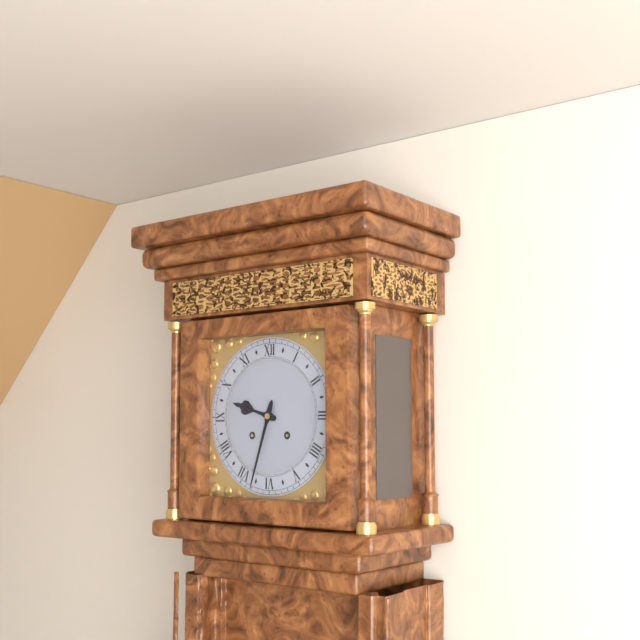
9:33
